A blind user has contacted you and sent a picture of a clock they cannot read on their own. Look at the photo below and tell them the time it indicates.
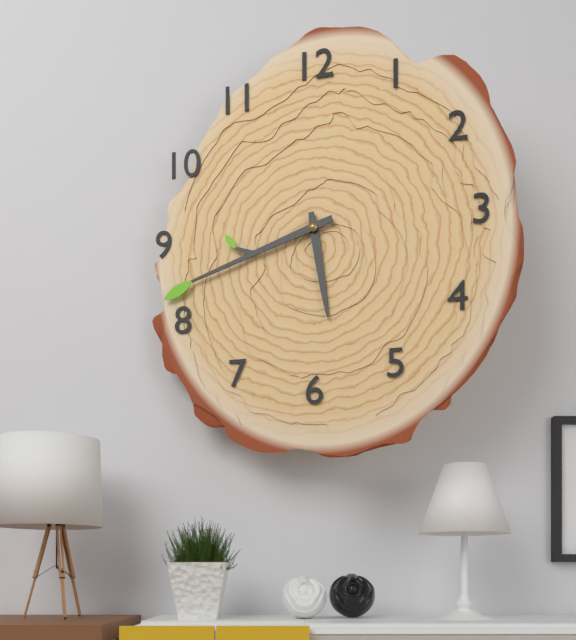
5:42
